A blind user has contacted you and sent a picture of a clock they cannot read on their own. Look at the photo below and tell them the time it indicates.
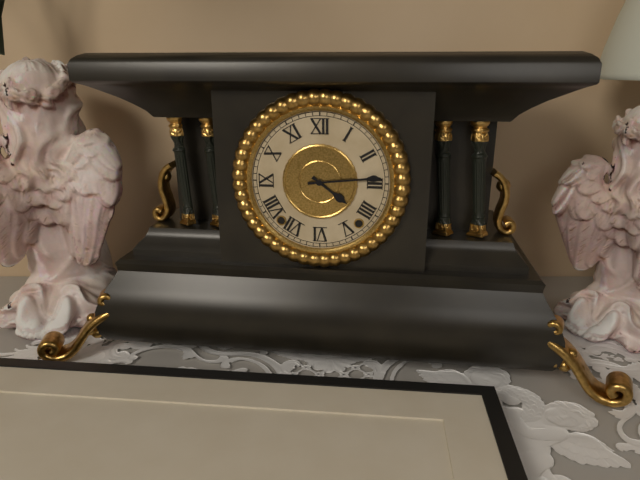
4:14
